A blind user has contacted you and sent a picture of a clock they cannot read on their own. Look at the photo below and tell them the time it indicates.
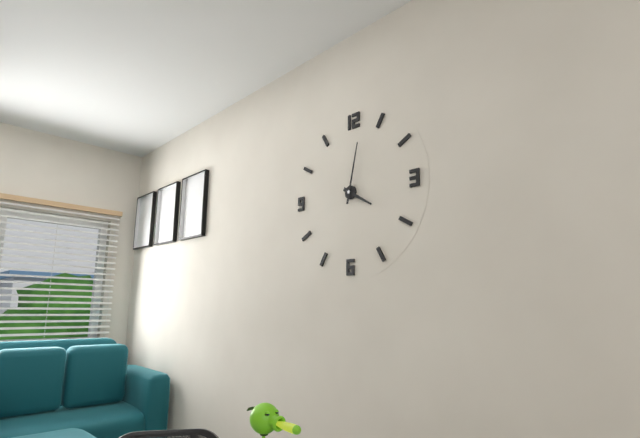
4:02
